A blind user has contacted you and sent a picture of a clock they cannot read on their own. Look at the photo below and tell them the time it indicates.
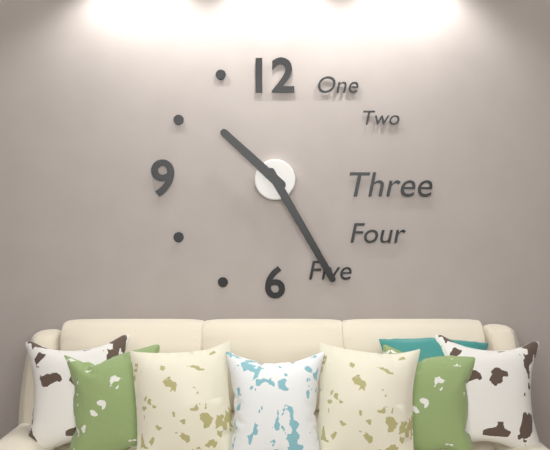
10:25
